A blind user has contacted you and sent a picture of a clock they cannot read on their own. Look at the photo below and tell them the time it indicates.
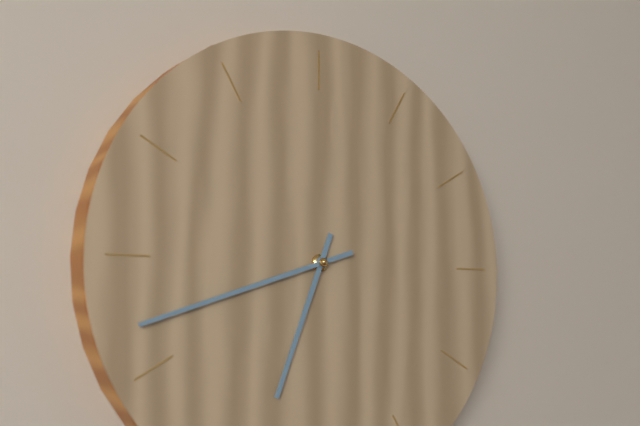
6:42
